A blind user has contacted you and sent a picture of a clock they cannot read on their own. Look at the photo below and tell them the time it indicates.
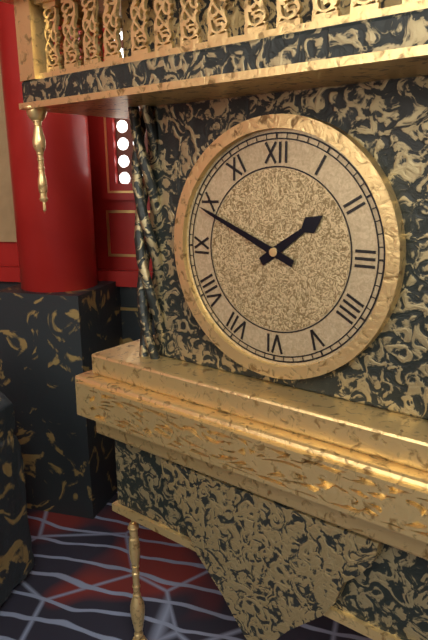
1:49
